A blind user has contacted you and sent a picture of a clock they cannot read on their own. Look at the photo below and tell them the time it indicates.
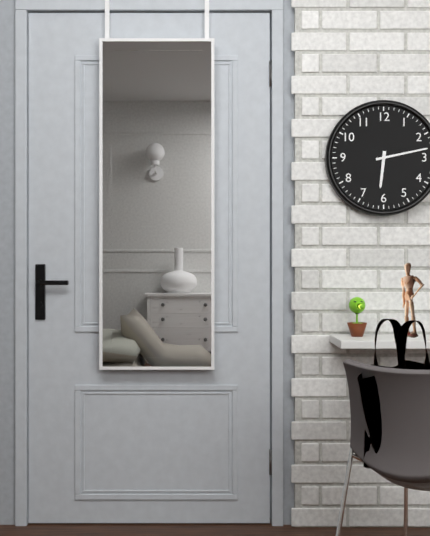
6:13
